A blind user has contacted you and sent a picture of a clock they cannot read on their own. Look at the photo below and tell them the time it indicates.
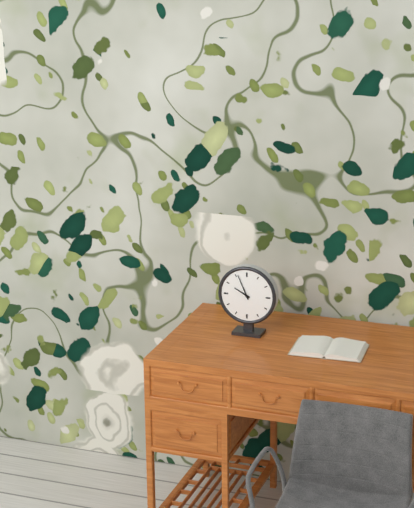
9:56
